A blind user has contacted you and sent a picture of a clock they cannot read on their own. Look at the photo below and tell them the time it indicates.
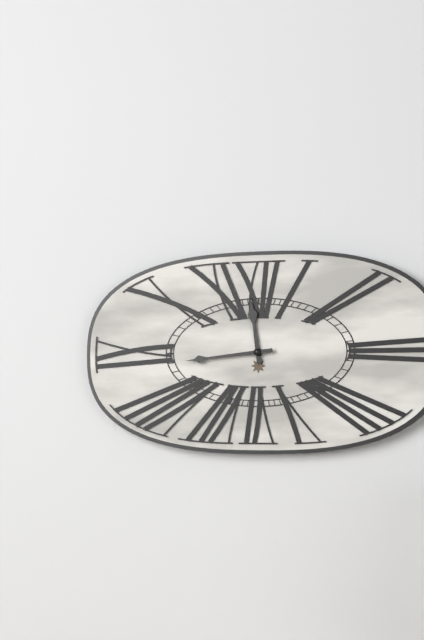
11:44
